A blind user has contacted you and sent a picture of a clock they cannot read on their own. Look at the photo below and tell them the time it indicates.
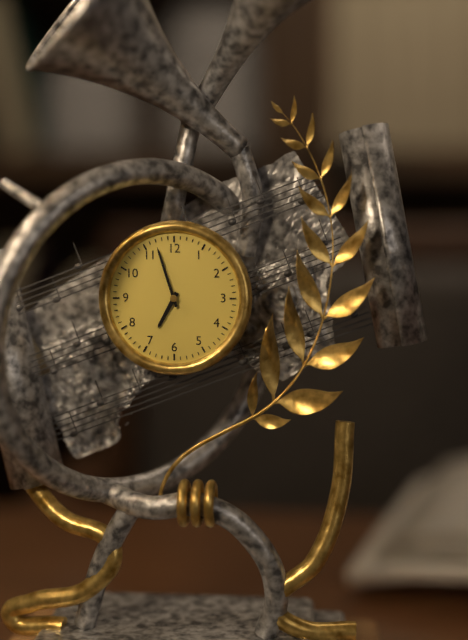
6:57
